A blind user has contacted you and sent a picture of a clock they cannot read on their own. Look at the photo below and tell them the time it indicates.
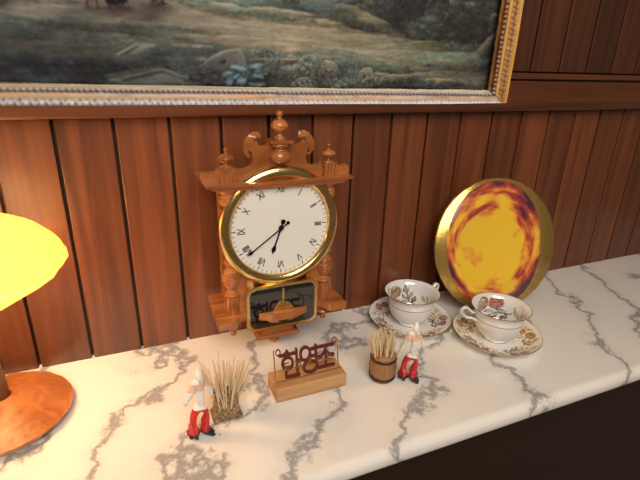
6:39
